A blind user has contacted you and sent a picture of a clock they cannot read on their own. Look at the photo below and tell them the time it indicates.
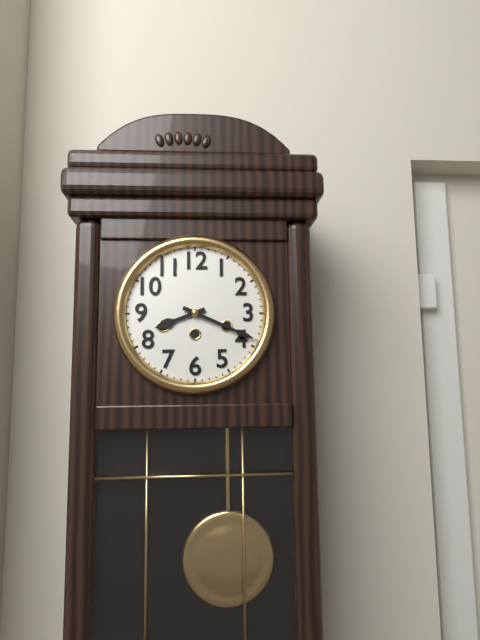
8:19
